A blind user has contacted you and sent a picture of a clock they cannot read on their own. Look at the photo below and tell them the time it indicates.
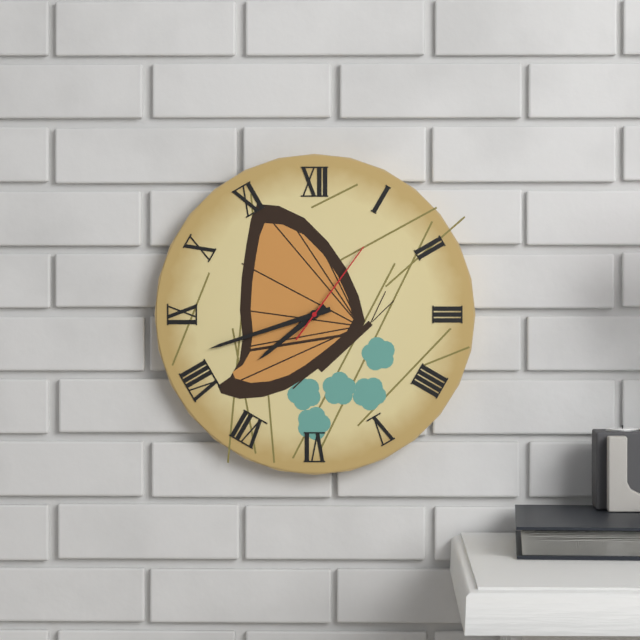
7:42:06
